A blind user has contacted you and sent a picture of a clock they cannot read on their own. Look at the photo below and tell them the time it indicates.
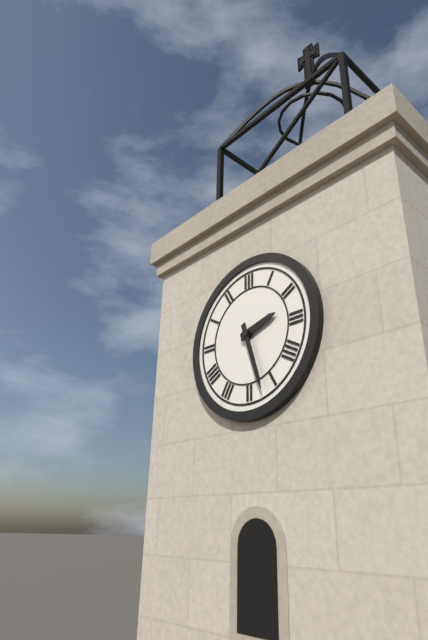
2:27
